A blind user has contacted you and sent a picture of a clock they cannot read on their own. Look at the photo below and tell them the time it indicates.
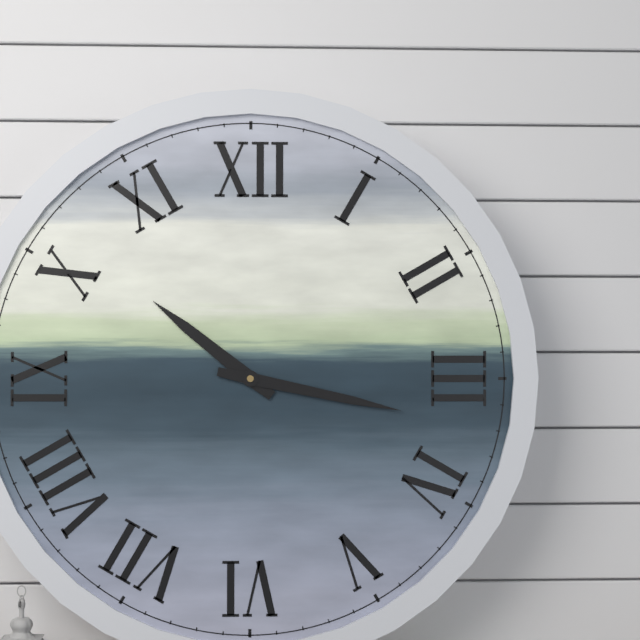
10:17
